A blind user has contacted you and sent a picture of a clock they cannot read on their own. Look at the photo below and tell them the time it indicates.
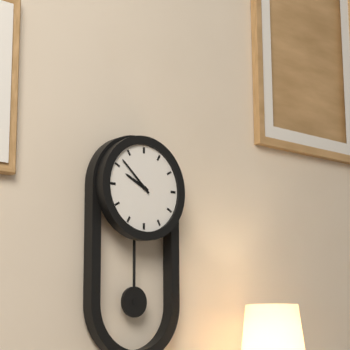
9:52
